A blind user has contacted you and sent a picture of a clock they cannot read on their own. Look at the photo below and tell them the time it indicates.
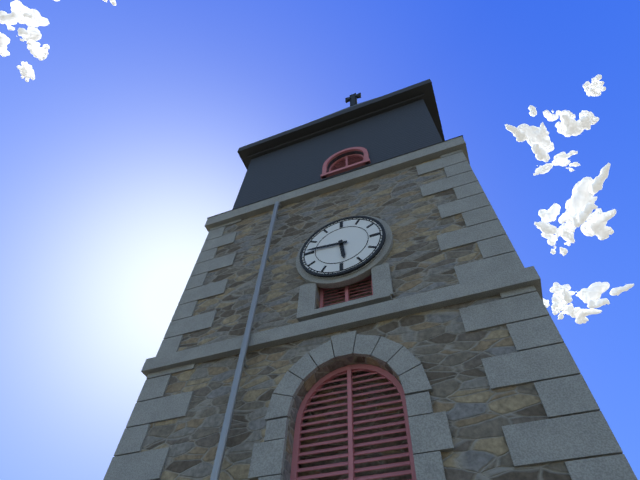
5:46
